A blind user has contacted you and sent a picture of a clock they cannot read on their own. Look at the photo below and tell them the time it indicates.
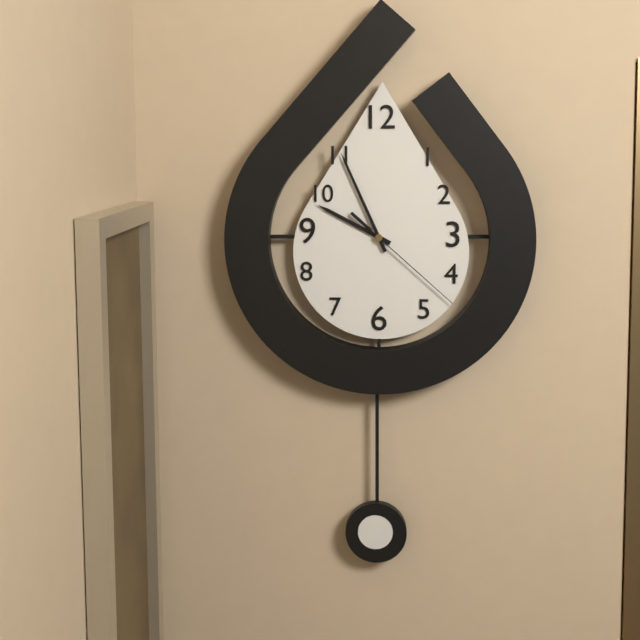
9:56:22
